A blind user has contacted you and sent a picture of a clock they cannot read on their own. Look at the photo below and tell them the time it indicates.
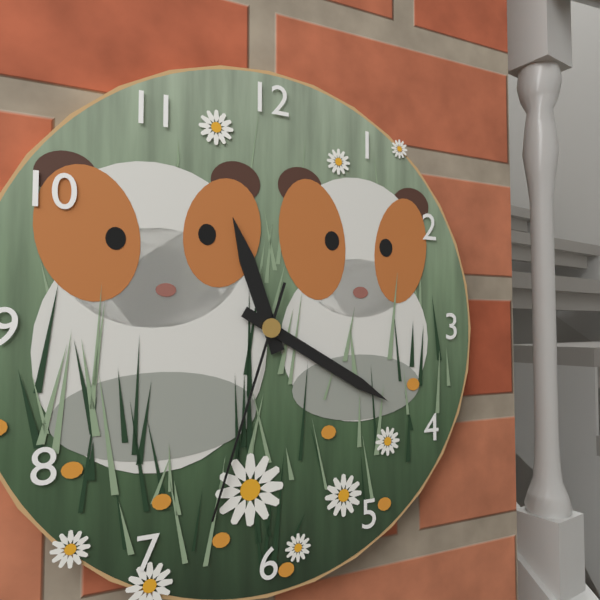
11:20:33
